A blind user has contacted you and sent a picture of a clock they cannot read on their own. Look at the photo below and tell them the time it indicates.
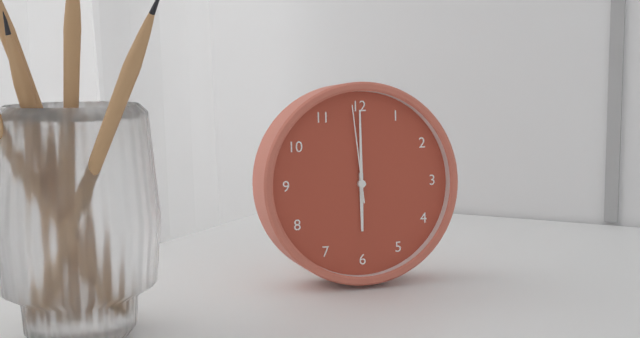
6:00:59
